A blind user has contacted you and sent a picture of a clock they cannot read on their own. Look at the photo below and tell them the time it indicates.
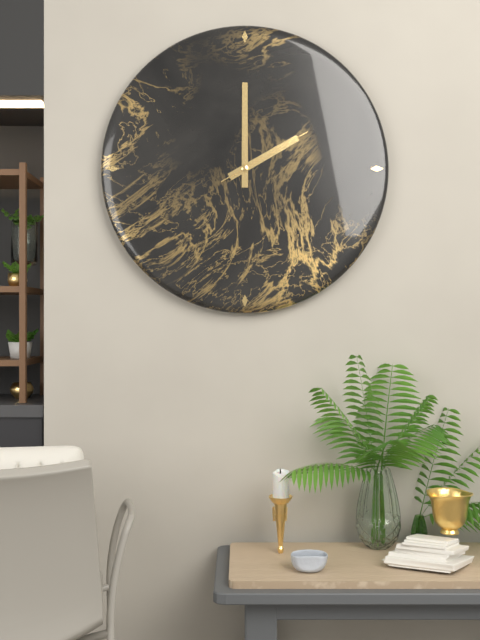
2:00:10
